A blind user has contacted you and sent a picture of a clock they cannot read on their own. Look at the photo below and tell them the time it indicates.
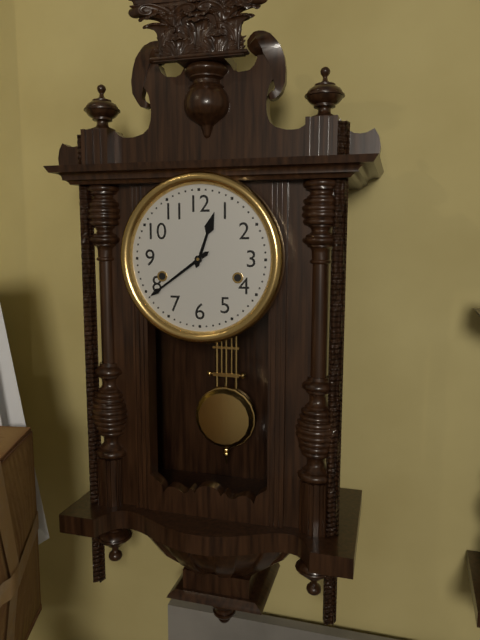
12:39
